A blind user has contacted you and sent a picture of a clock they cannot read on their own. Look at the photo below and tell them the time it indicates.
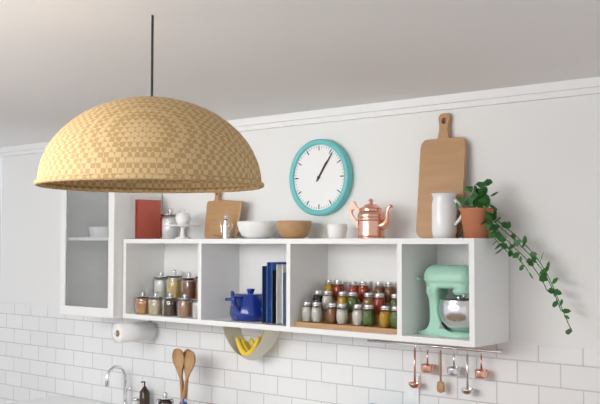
1:06
